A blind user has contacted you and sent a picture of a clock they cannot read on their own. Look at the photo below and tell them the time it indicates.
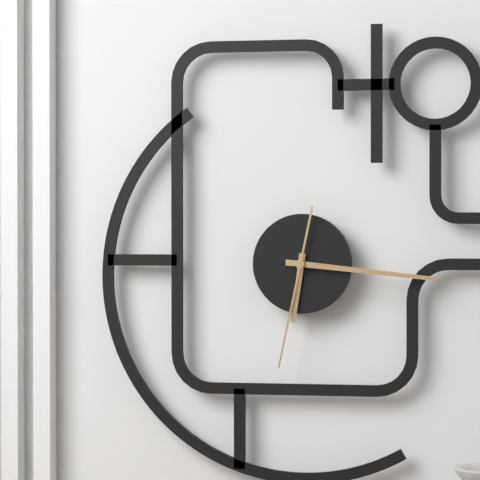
6:16:32
